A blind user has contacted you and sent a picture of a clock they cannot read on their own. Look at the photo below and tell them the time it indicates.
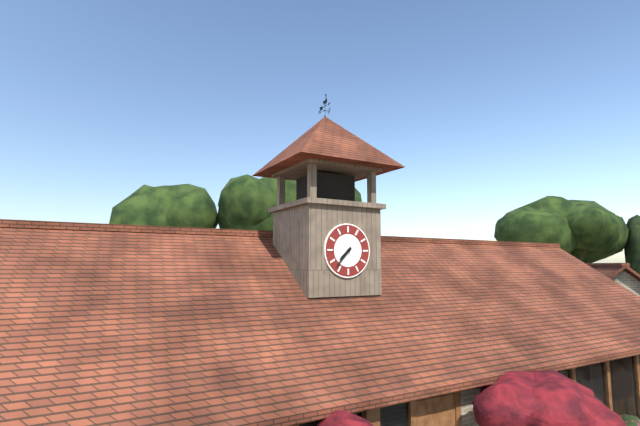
7:37
